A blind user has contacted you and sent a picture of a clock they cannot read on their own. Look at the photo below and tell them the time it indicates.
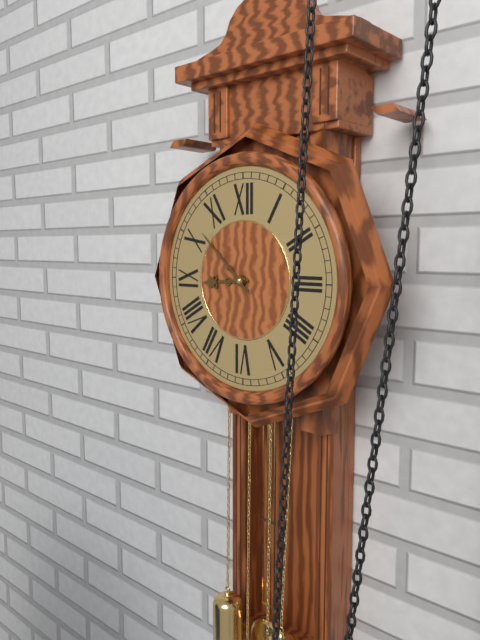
8:52
